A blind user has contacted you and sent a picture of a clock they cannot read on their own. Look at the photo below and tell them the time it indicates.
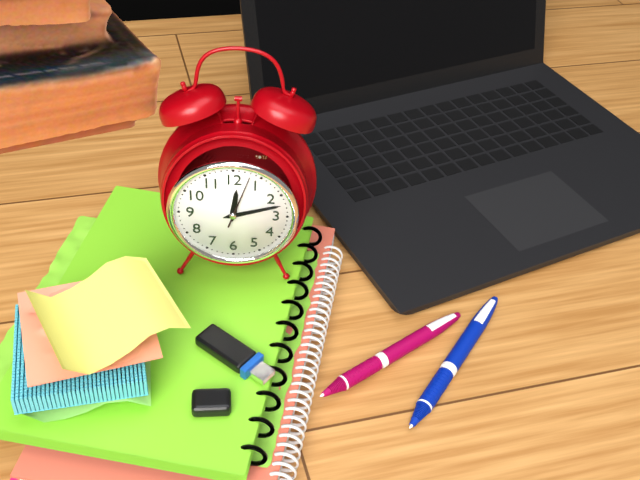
12:12
